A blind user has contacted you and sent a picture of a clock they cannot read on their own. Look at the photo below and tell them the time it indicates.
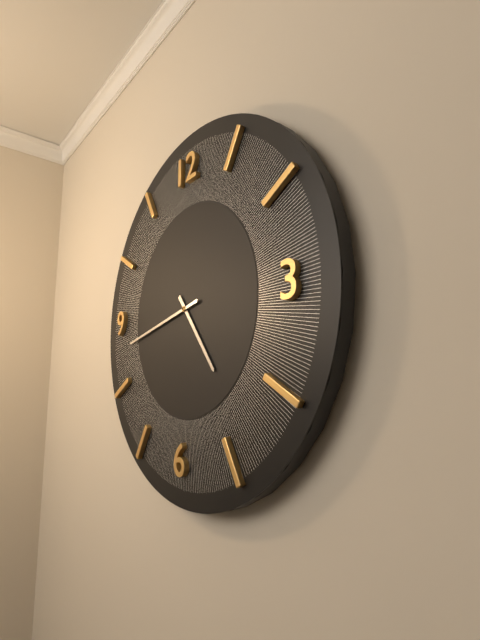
4:43
